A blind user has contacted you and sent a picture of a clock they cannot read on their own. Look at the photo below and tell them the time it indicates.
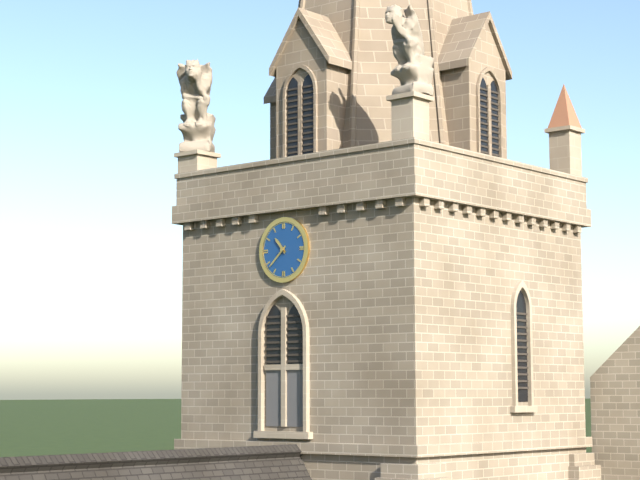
10:38
